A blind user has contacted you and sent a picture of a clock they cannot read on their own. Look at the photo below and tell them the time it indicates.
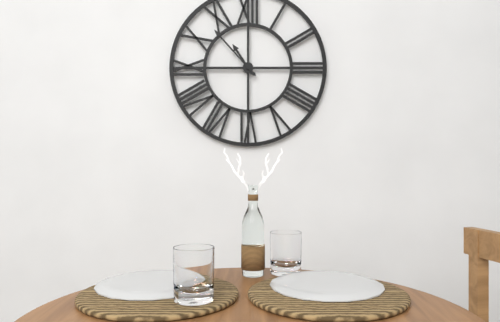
10:53
